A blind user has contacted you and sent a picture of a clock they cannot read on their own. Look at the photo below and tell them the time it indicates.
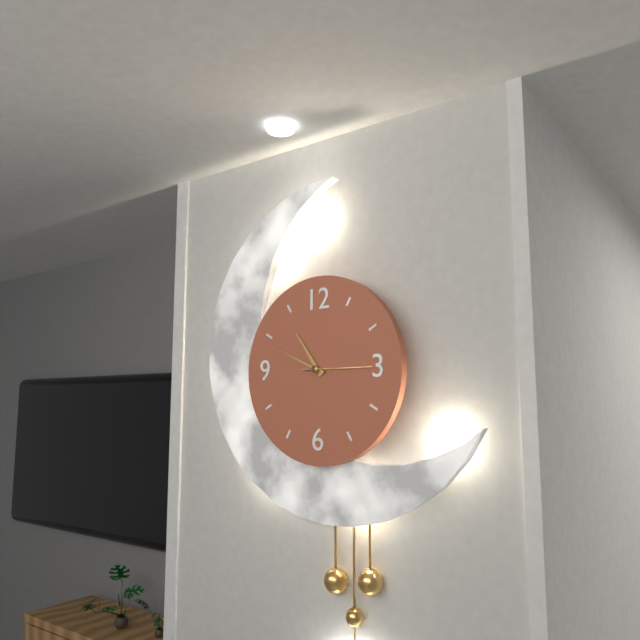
10:49:15
